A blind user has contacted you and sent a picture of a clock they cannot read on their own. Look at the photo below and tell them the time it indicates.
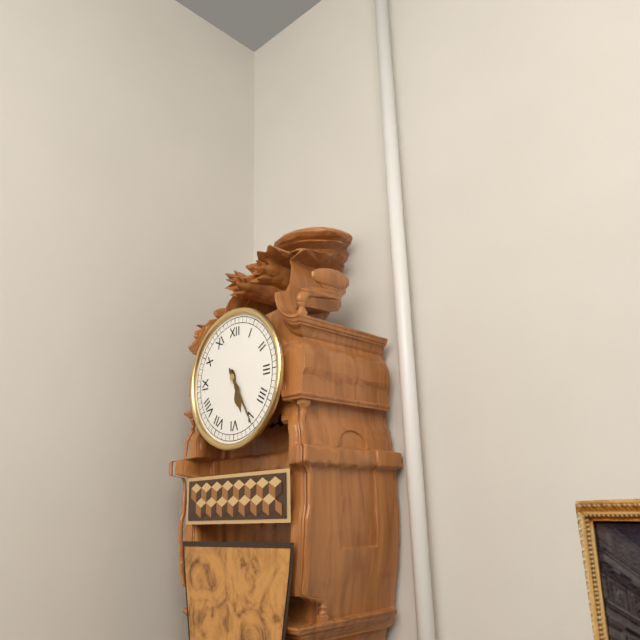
5:25
